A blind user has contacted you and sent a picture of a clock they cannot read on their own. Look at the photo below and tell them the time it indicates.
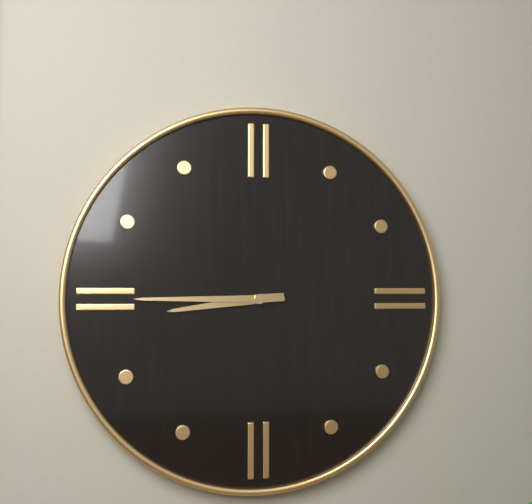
8:45
